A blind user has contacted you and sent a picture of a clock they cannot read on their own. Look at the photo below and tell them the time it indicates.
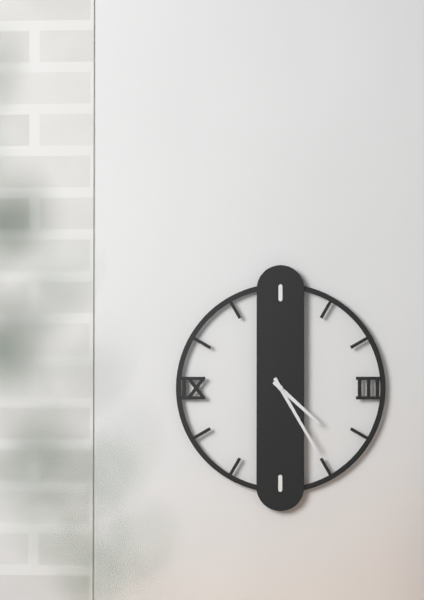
4:25
